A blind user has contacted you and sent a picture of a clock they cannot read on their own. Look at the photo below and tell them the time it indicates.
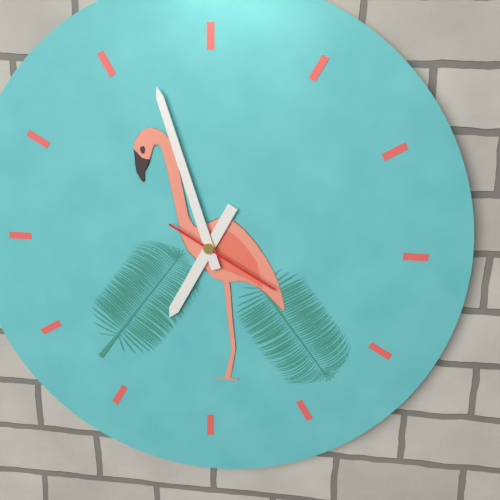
6:57:20
